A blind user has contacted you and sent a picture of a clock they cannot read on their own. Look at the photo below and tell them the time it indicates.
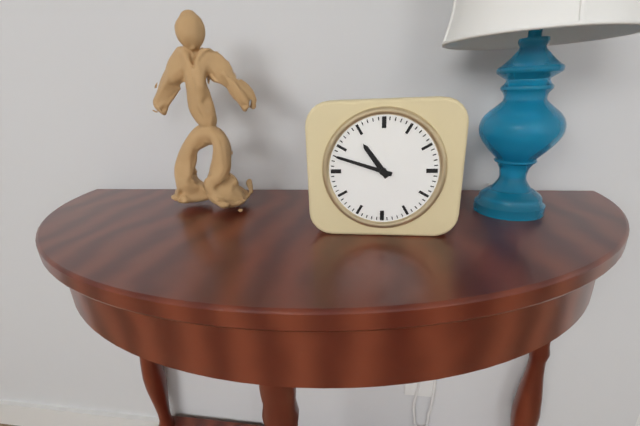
10:48
